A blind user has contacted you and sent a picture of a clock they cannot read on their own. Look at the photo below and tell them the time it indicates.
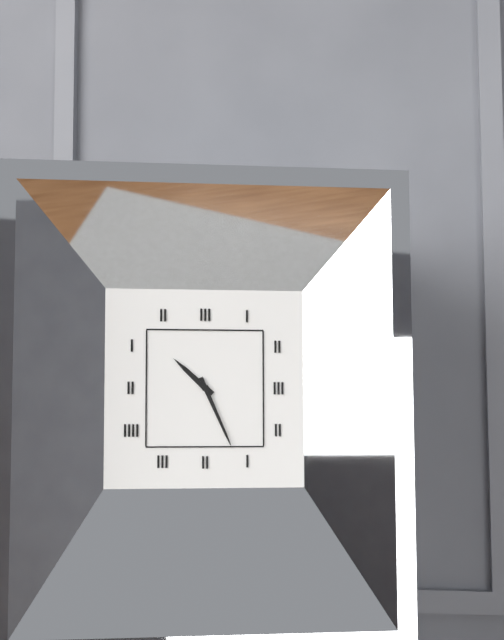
10:26
